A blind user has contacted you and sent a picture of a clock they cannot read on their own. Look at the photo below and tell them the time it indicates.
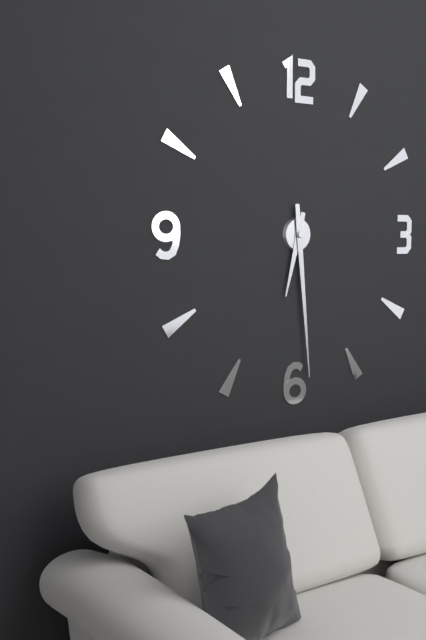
6:29
